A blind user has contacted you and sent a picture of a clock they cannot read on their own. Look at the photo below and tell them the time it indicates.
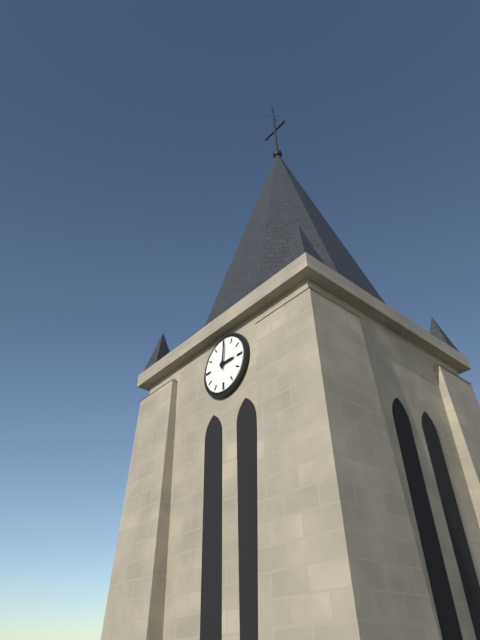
3:01
